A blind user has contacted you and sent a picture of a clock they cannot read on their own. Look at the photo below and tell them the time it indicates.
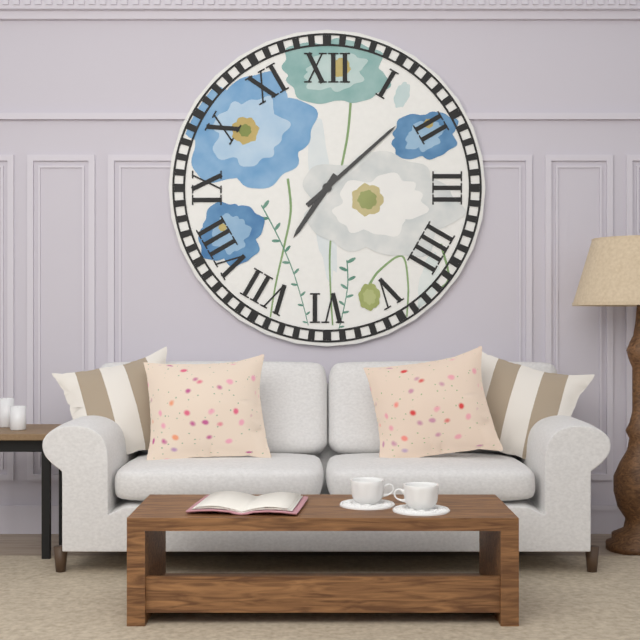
7:08
